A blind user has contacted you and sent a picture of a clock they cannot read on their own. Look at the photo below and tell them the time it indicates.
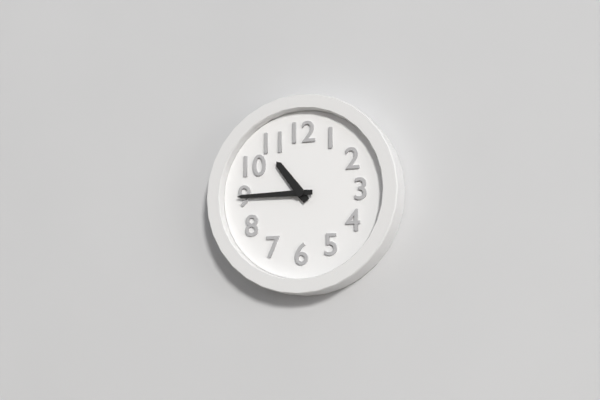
10:45
